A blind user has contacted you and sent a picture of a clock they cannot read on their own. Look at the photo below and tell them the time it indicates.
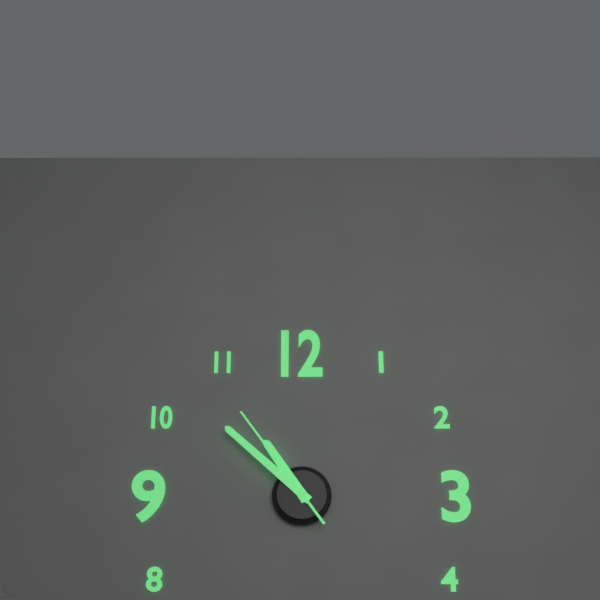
10:52:54
